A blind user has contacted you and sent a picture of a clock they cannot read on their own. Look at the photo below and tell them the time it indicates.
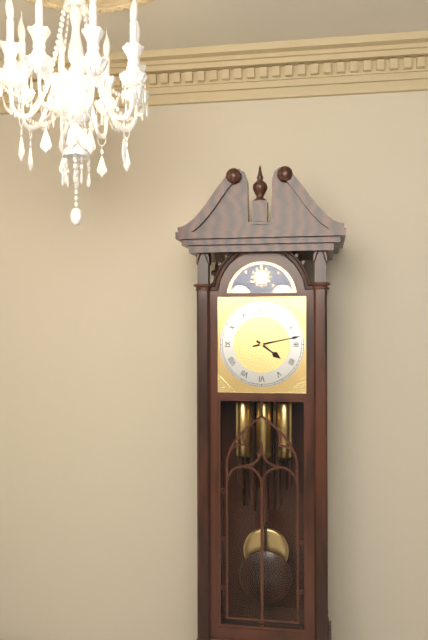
4:13
